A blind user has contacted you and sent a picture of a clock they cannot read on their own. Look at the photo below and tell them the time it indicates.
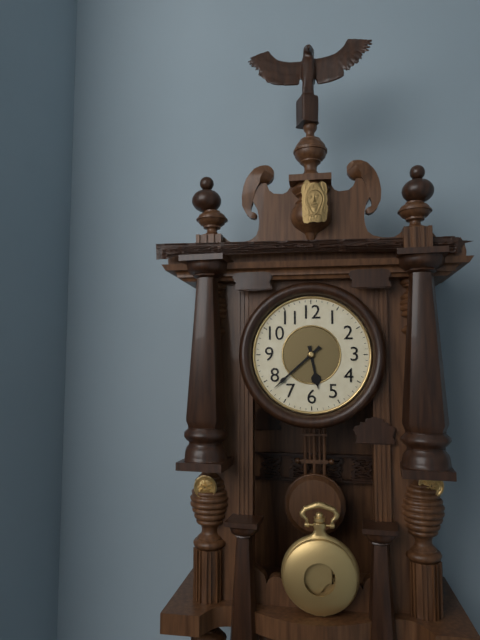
5:38
